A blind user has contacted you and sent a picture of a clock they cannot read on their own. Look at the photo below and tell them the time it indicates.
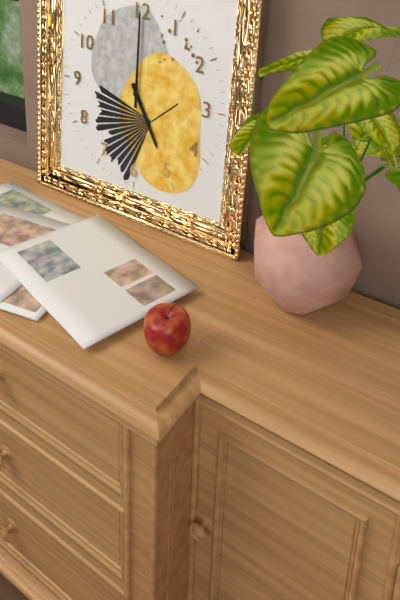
5:00
